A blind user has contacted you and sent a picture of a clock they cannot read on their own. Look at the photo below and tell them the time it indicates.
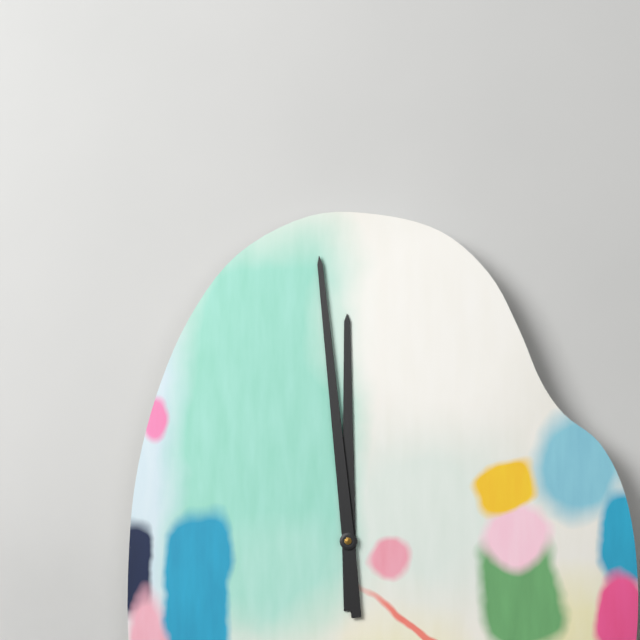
11:59
